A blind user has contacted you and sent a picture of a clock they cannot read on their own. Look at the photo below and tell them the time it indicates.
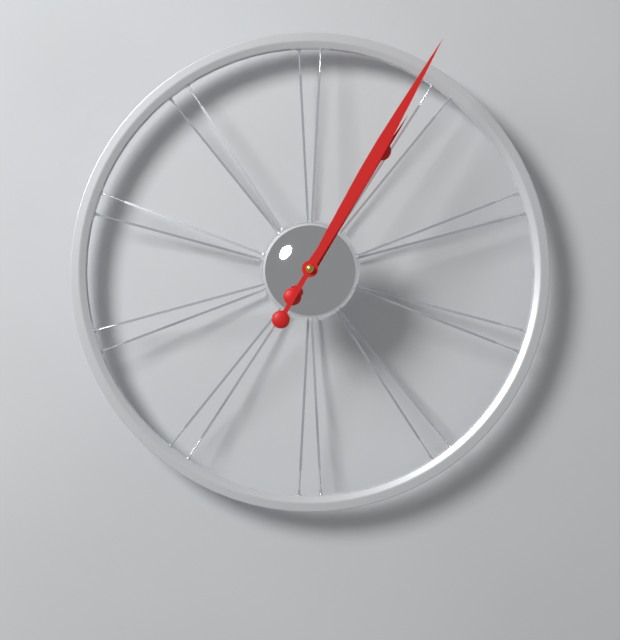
1:05
